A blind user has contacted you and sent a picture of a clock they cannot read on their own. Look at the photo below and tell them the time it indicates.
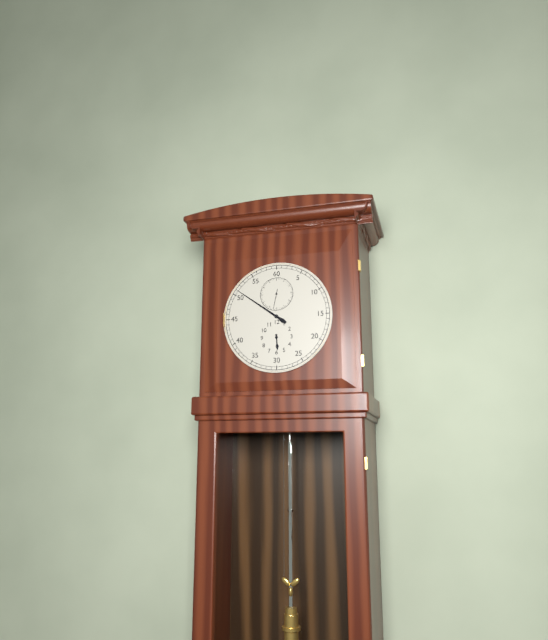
5:51
